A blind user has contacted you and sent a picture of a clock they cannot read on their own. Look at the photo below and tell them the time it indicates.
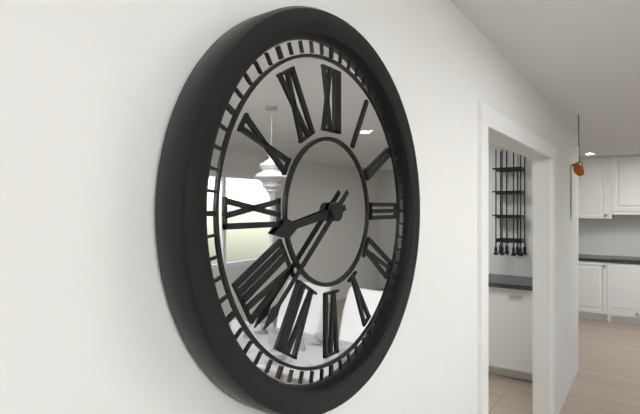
8:38
